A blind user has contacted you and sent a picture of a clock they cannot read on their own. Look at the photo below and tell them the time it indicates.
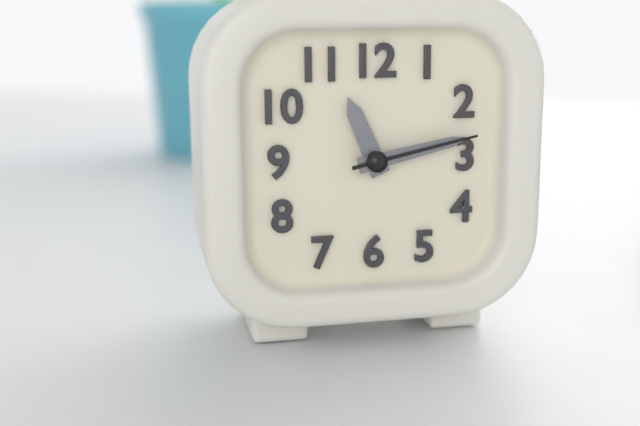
11:13:13
